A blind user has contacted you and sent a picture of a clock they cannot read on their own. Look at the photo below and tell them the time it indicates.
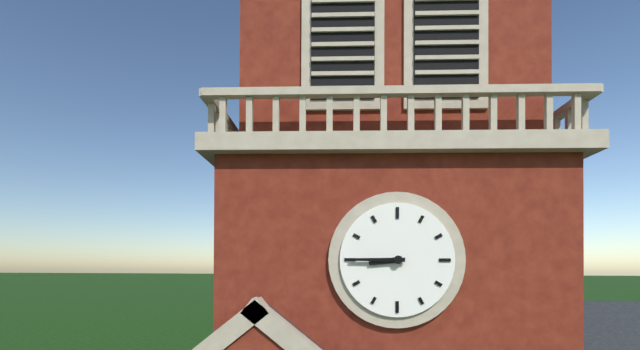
8:45
